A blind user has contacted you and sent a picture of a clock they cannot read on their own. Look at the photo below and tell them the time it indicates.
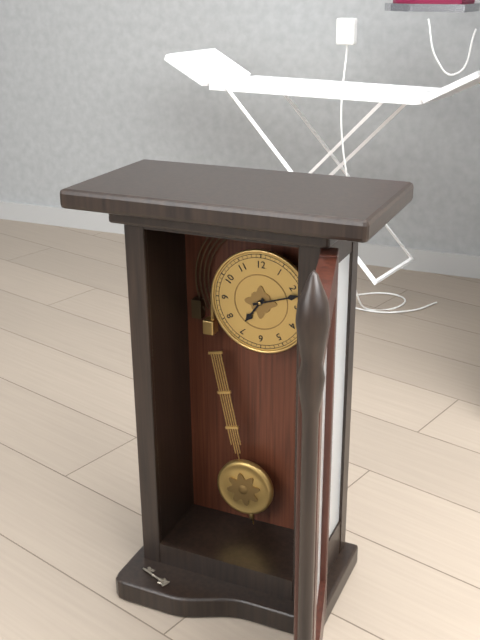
7:12
